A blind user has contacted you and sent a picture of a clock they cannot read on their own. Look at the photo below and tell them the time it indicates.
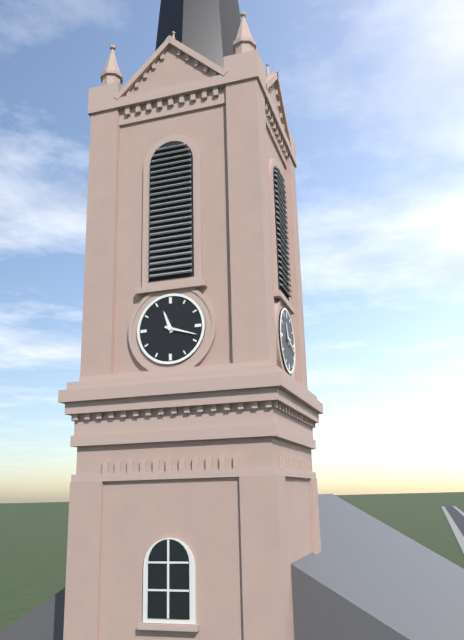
11:18
